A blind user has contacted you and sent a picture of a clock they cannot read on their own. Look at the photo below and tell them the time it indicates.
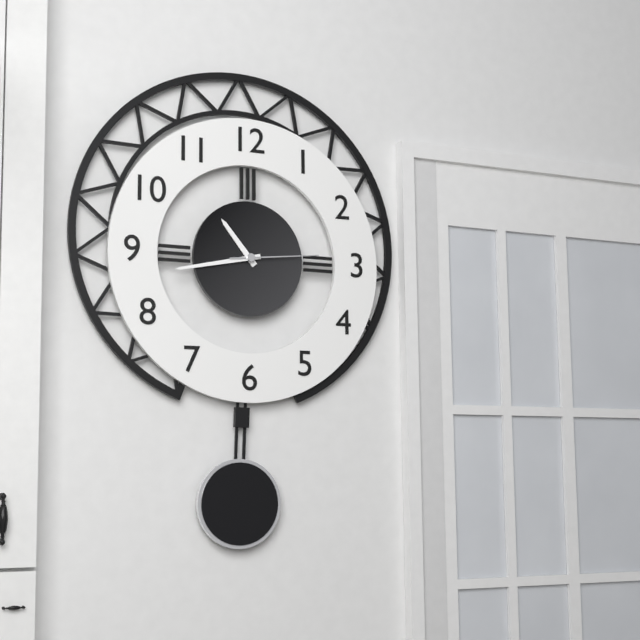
10:43:14
